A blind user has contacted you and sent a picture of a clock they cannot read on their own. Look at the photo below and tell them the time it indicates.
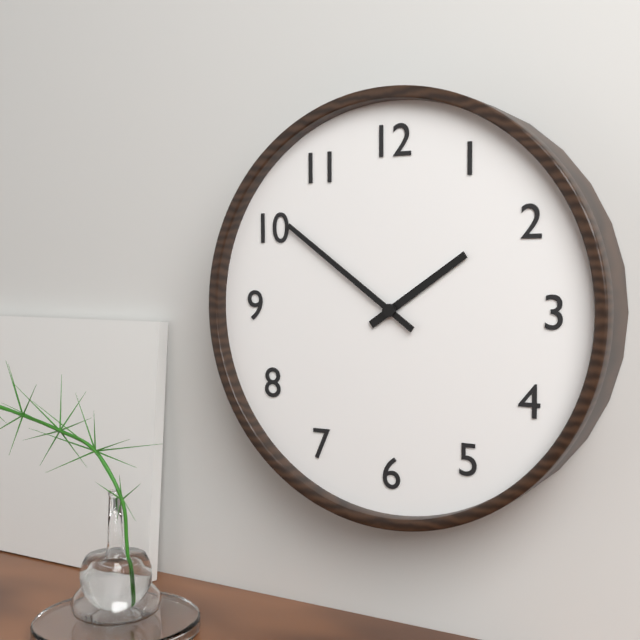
1:51
